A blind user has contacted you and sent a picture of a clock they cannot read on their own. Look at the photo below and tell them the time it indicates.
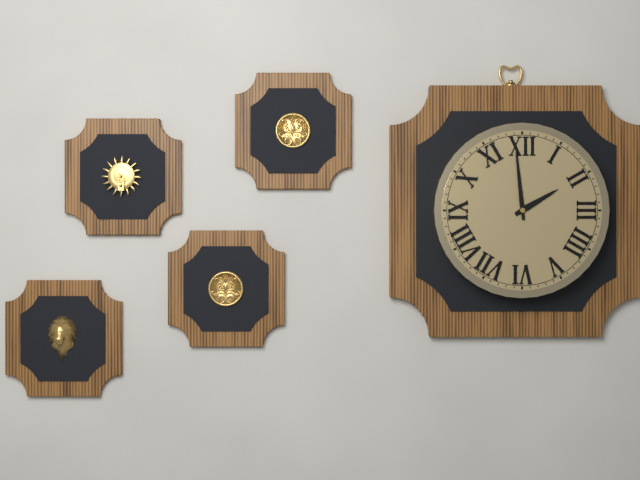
1:59
